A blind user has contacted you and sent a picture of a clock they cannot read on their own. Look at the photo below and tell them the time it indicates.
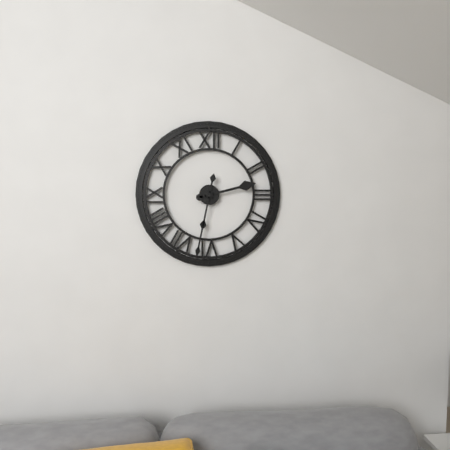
2:32
